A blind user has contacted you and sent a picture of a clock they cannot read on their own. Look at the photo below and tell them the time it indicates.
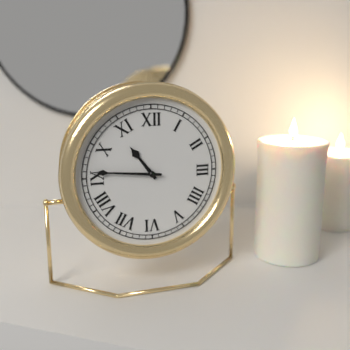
10:46
